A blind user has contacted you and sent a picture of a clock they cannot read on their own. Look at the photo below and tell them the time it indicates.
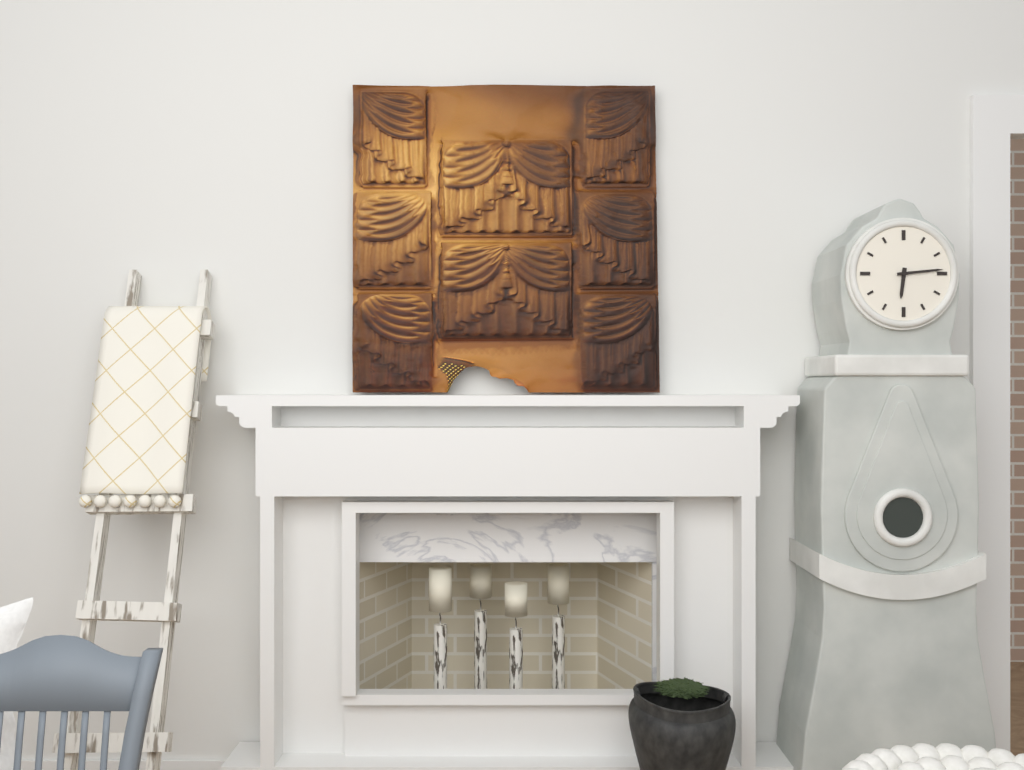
6:14
